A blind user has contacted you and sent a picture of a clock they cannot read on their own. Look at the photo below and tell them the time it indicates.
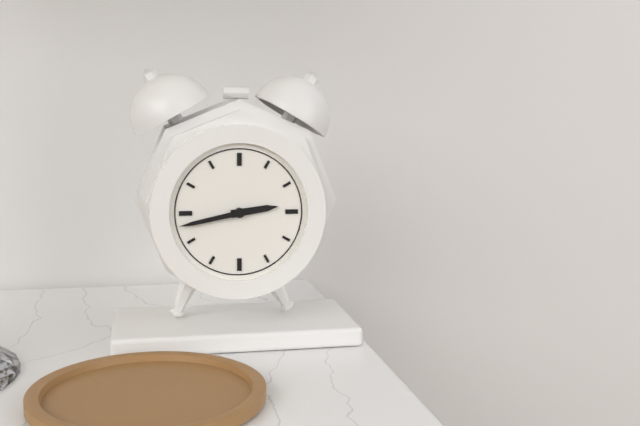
2:43
